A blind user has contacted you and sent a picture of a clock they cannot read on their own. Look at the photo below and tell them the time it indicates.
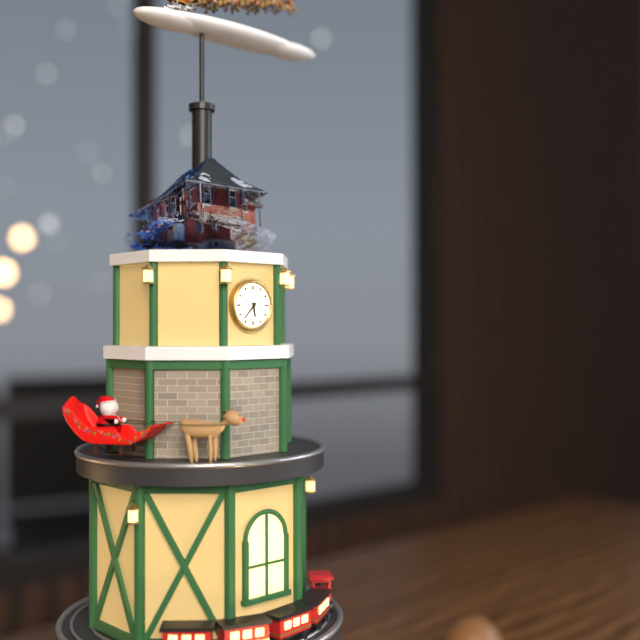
5:37
